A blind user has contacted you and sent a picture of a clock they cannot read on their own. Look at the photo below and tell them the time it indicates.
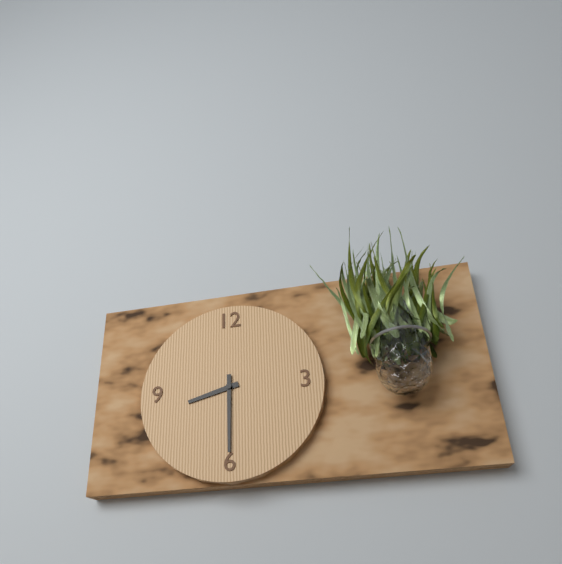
8:30
